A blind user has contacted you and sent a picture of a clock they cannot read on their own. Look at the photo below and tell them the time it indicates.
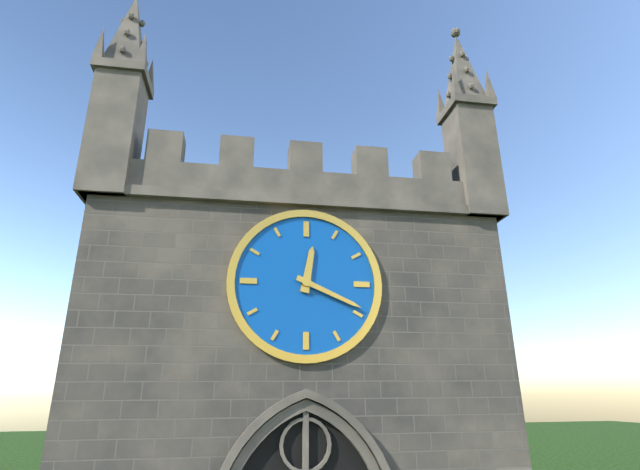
12:19
